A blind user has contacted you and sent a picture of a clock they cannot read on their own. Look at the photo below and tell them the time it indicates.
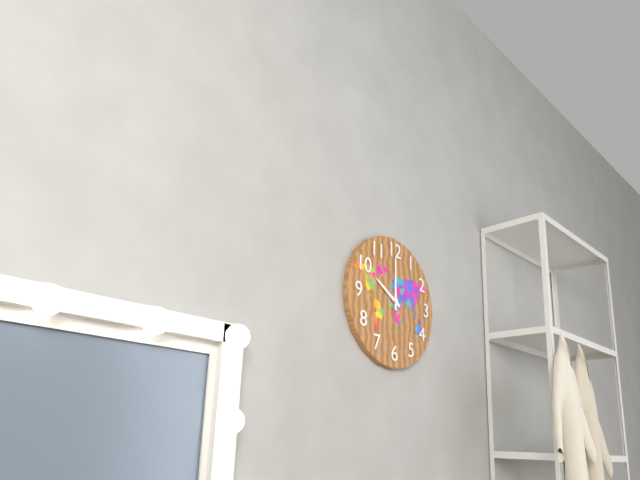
10:00
